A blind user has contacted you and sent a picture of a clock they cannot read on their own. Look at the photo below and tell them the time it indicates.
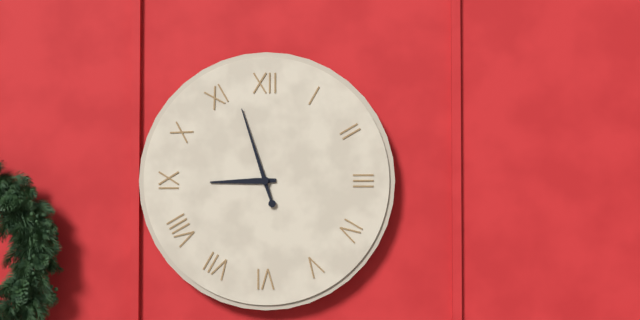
8:57
